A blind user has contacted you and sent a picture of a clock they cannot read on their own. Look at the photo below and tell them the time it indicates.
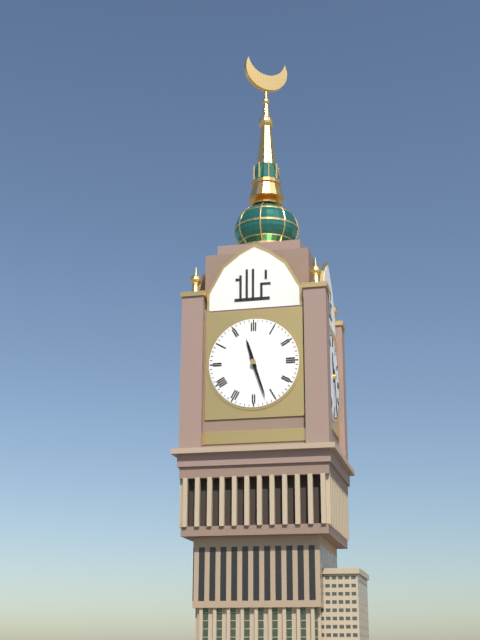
11:27
